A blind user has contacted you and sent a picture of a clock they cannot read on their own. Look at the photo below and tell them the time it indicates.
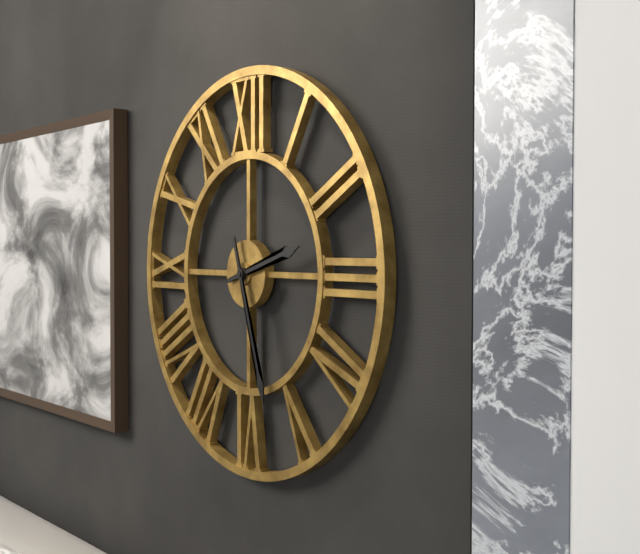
2:27
